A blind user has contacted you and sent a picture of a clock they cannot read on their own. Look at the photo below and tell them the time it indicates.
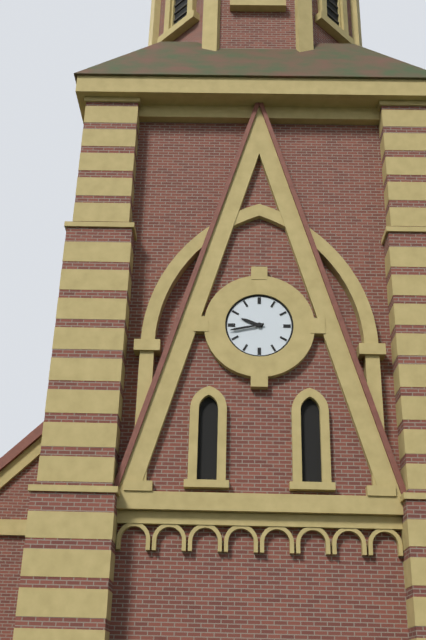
9:43
